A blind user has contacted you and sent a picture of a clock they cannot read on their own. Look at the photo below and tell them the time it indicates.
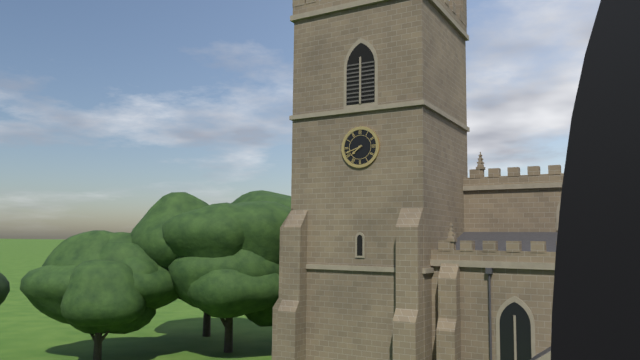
7:42
